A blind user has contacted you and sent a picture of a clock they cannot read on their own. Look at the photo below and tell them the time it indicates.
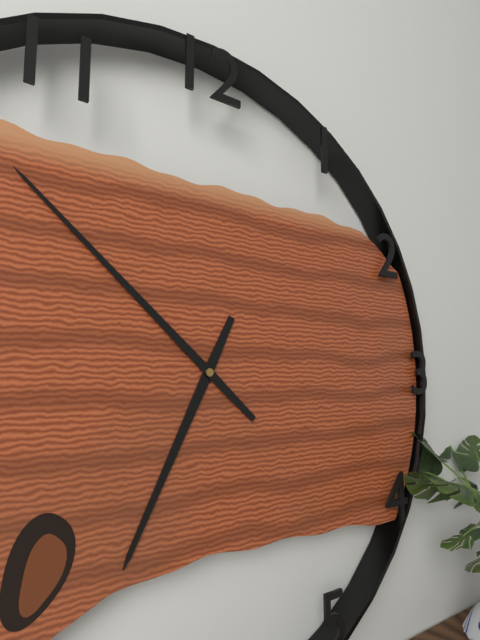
6:52
